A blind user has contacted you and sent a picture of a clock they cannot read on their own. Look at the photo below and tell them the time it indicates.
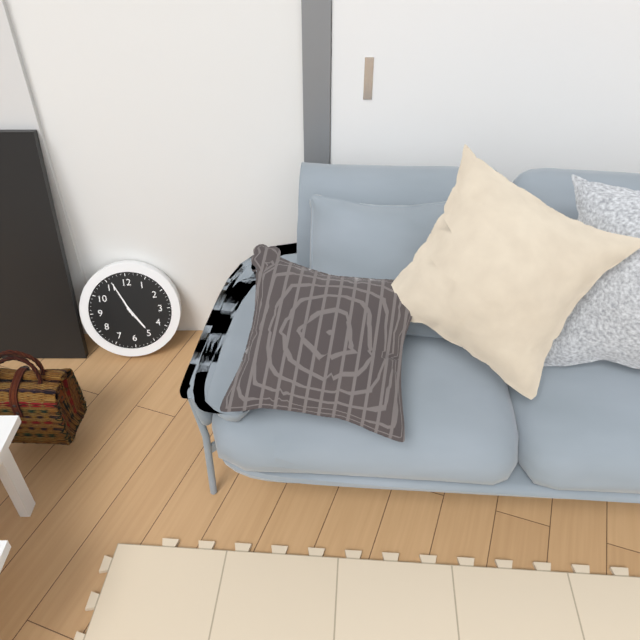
4:56
